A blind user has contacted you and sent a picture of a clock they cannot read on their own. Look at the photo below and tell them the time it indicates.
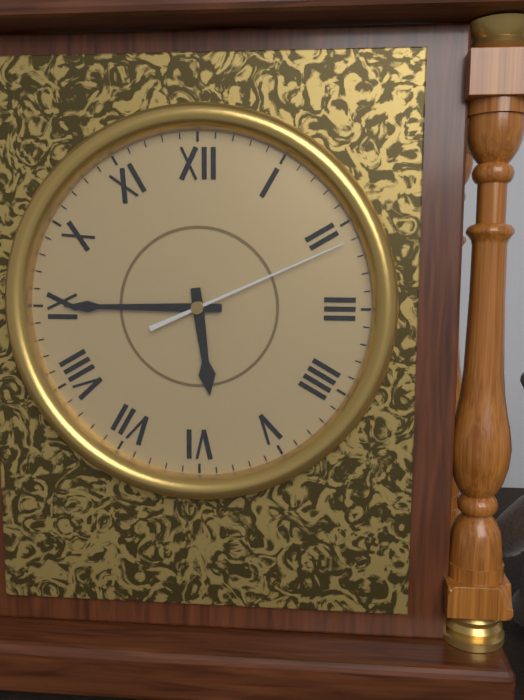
5:45:11
